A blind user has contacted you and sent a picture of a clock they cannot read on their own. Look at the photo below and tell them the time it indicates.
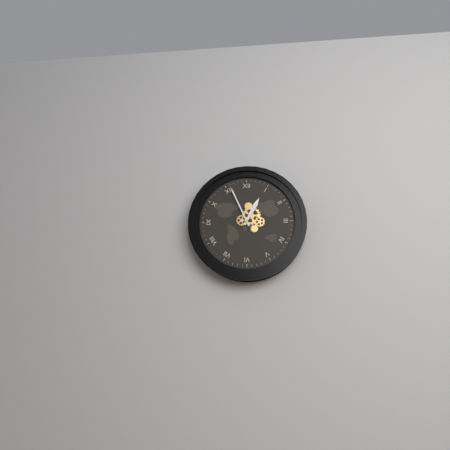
12:56
